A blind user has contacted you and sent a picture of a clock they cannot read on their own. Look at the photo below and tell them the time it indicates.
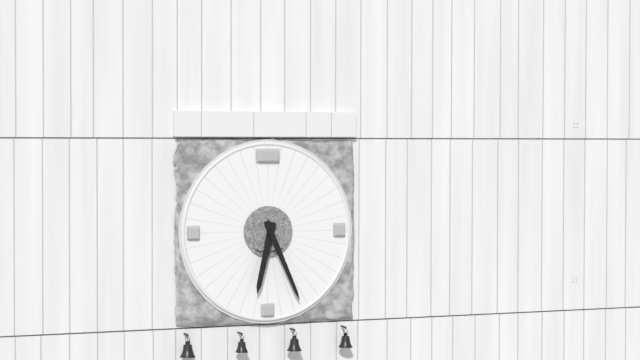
6:26
